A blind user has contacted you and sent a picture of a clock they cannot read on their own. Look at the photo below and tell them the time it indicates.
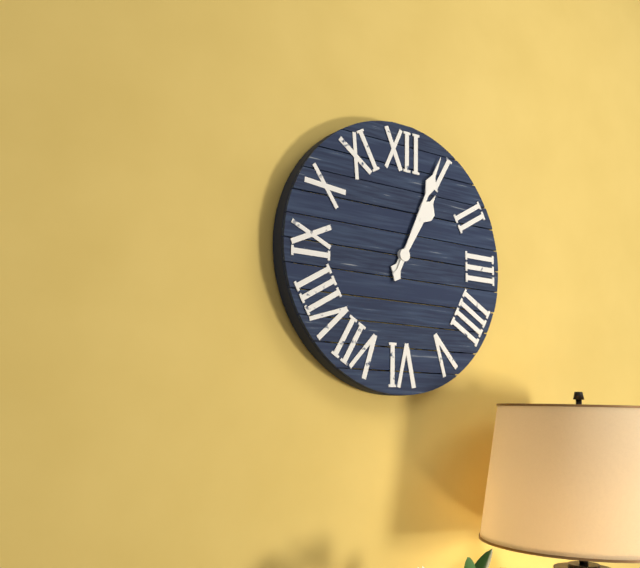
1:04
